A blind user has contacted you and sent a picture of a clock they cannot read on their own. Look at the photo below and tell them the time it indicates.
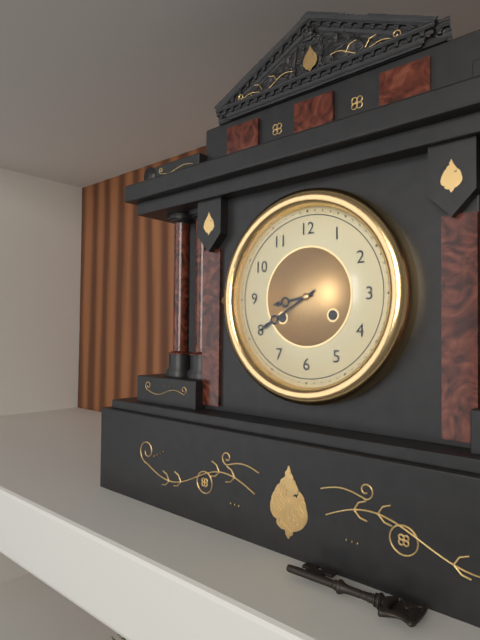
8:40
